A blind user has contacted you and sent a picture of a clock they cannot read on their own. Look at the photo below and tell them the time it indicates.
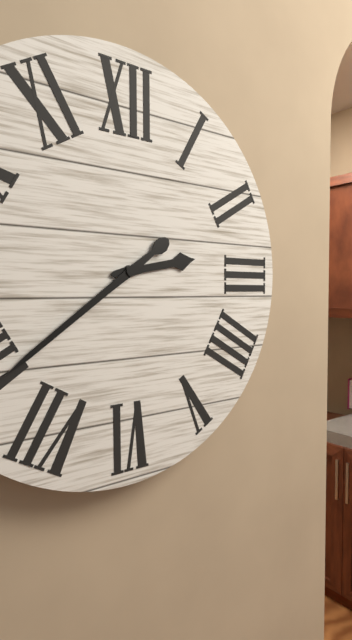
2:39
